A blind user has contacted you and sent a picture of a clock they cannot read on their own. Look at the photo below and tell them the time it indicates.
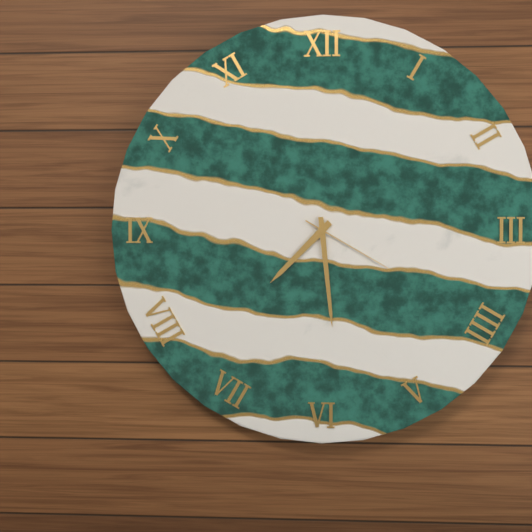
7:29:20
